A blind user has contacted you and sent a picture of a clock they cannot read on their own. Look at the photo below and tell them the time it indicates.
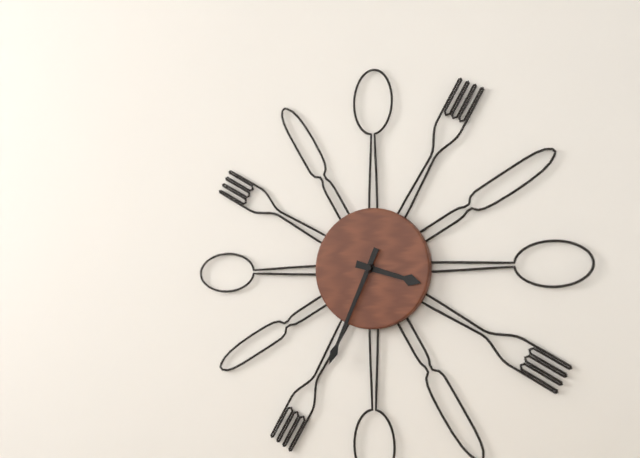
3:34
